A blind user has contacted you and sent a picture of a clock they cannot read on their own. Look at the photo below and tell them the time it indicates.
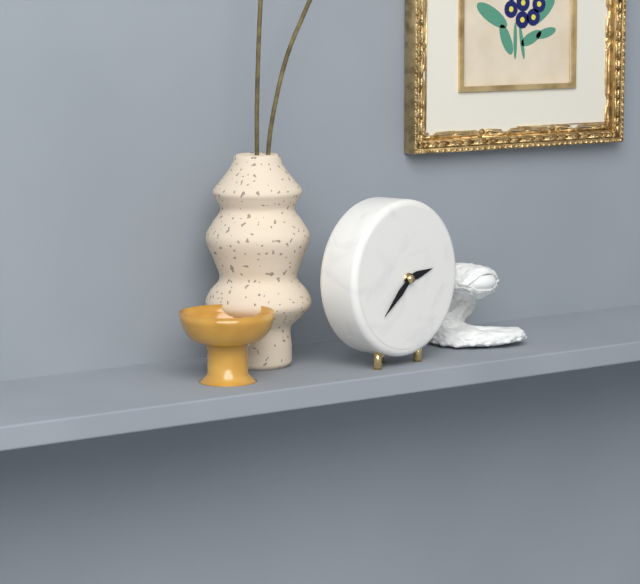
2:38
